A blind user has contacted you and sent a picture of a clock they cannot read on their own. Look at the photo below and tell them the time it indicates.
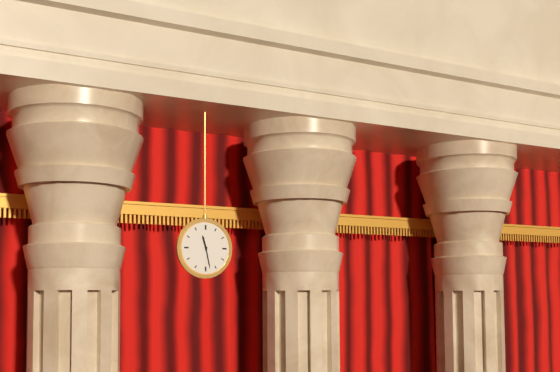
11:28
